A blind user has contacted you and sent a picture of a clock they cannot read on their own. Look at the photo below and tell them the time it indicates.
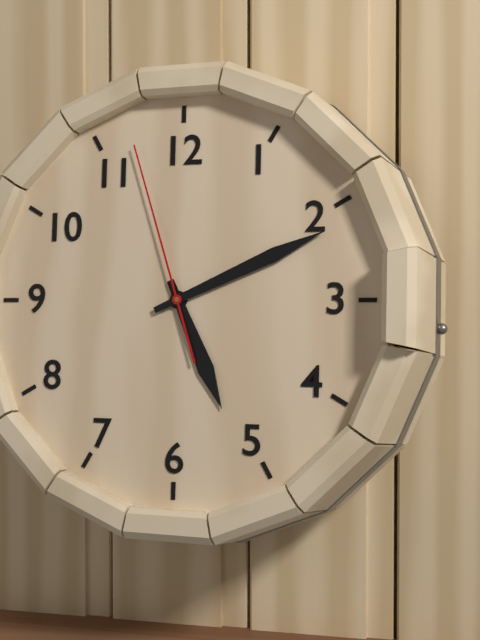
5:11:57
